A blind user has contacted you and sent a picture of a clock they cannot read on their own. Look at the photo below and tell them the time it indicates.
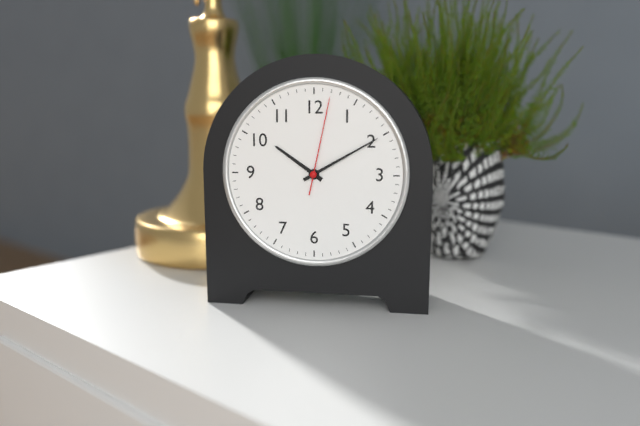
10:10:02
